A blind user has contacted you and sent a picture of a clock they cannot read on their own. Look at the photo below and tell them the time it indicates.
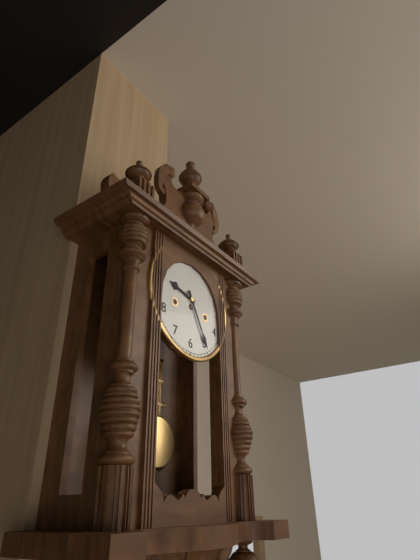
9:25
